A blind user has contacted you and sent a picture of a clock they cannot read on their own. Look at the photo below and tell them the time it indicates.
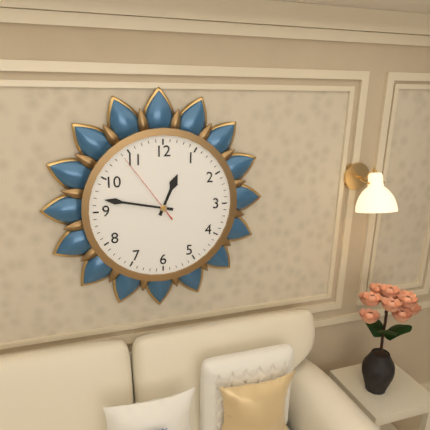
12:47:54
